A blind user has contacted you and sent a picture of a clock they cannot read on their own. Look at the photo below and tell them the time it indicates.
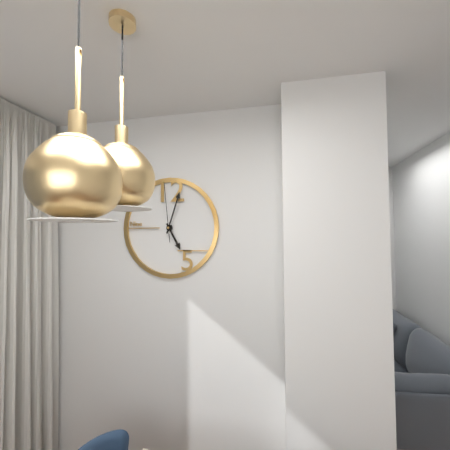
5:03:59
